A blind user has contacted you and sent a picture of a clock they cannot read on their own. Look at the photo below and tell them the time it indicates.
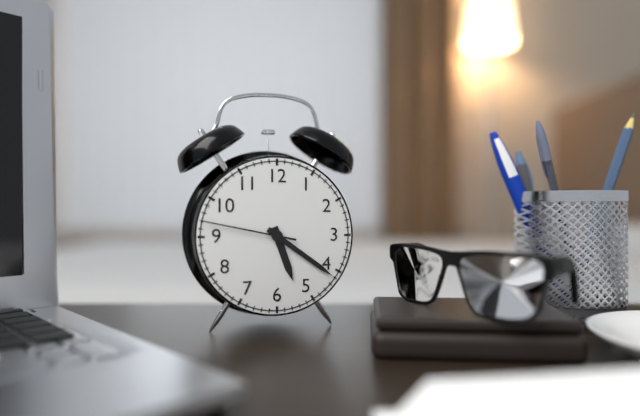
5:21:47
